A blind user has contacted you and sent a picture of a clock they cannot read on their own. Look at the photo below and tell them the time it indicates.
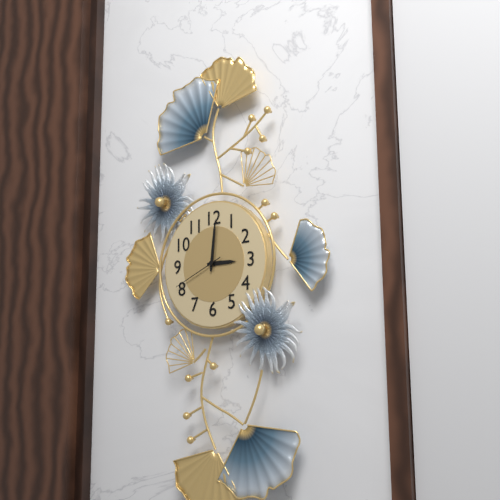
3:01:41
